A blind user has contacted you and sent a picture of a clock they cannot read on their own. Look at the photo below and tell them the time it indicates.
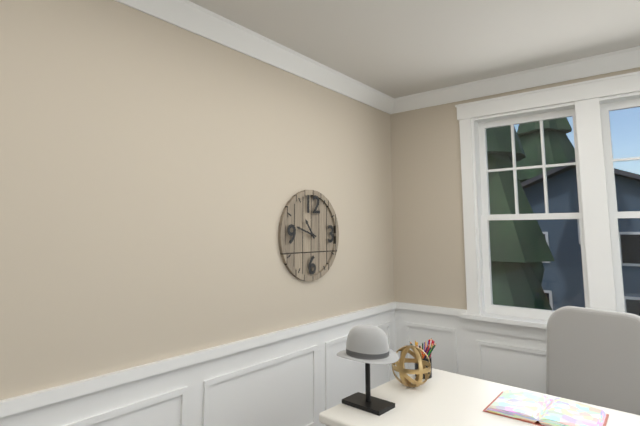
10:48
